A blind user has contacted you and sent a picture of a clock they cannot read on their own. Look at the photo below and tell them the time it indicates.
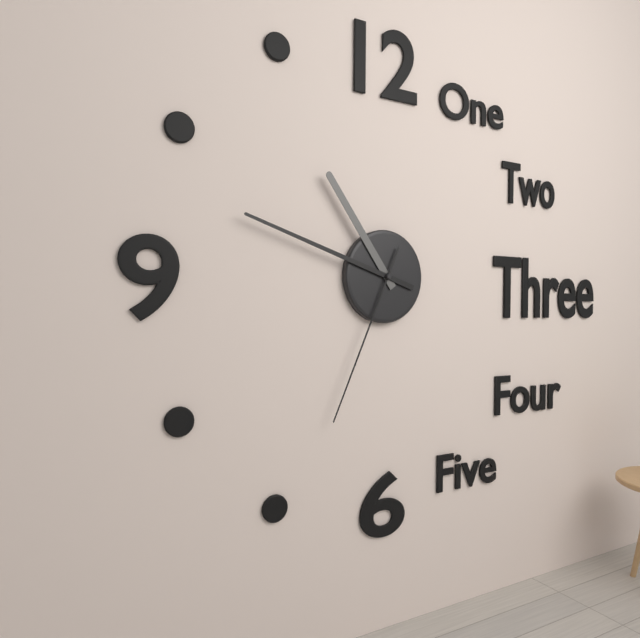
10:48:34
